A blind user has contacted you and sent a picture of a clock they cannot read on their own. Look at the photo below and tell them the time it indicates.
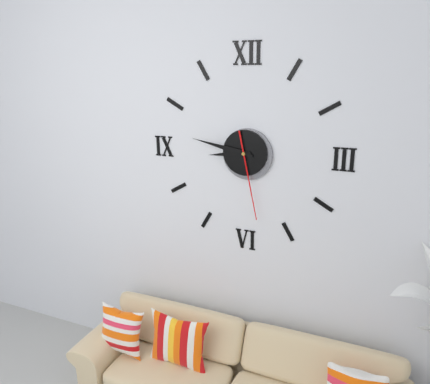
8:47:28
